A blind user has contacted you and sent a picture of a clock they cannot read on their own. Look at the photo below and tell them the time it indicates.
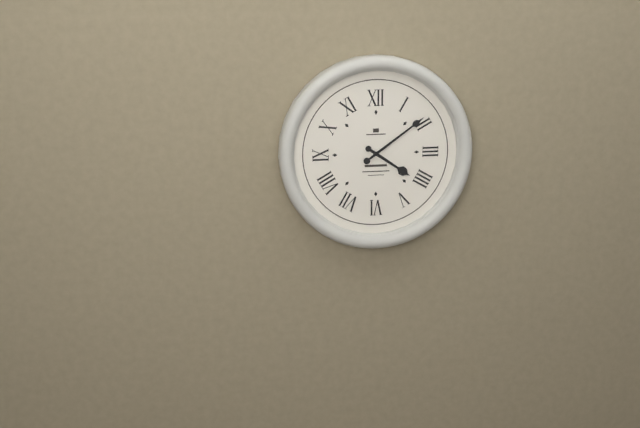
4:09
